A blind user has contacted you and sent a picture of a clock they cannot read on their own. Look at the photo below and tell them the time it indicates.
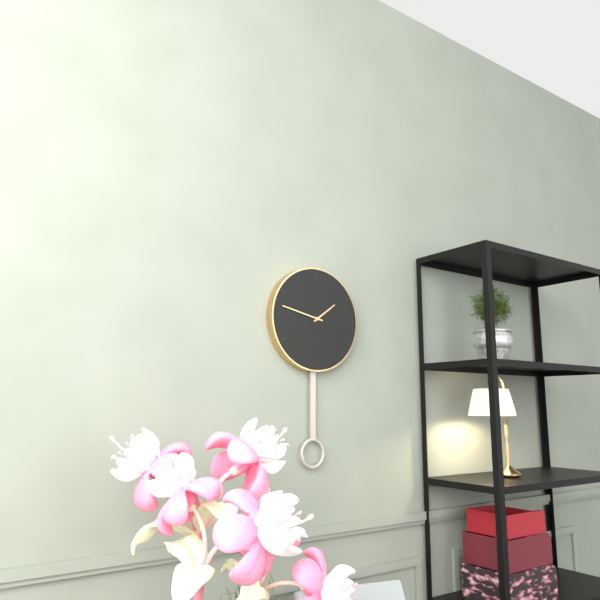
1:47
